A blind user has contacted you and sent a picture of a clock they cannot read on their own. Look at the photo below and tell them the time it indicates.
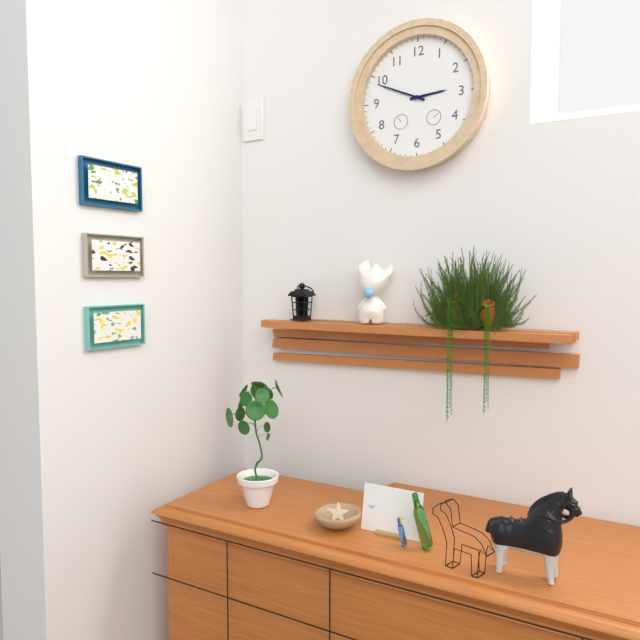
2:49
